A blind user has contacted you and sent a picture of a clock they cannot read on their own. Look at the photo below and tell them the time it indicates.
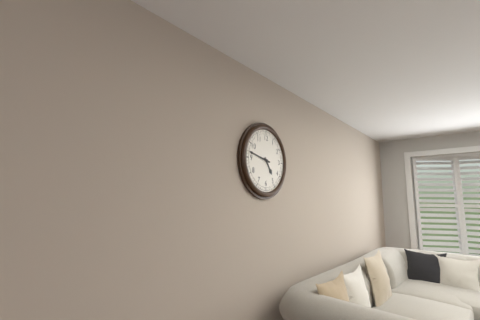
4:47
